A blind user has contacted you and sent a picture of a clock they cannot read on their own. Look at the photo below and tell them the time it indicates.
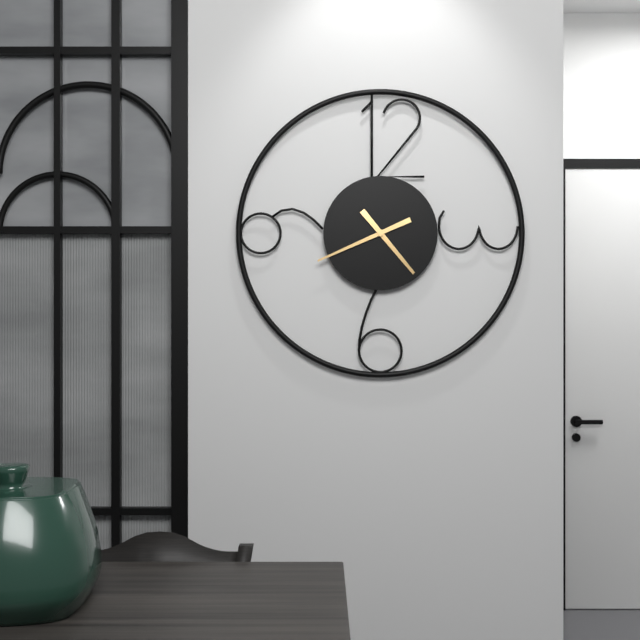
4:41
